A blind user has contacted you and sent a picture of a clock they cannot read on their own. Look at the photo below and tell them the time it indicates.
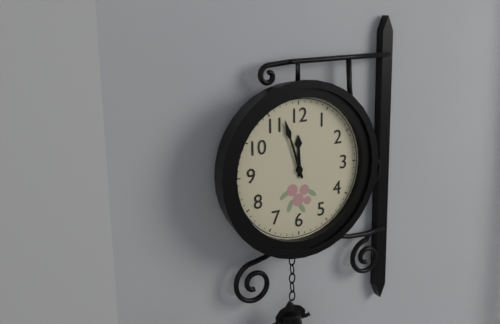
11:57
